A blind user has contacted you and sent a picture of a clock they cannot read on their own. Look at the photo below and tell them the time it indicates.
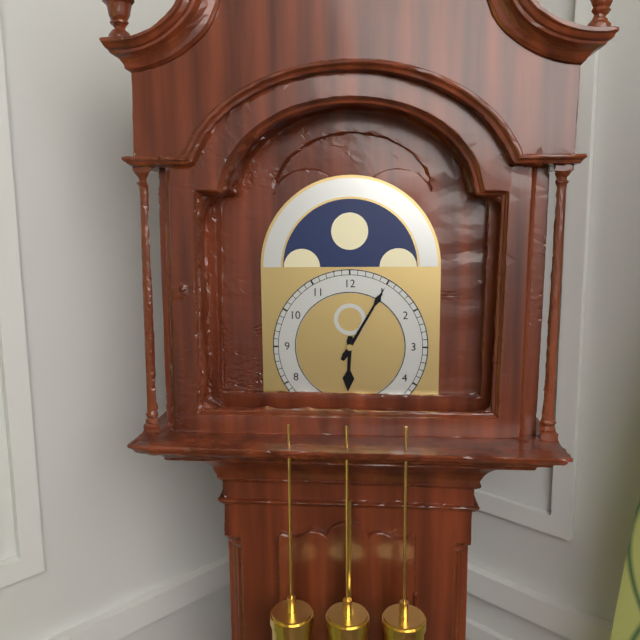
6:05
